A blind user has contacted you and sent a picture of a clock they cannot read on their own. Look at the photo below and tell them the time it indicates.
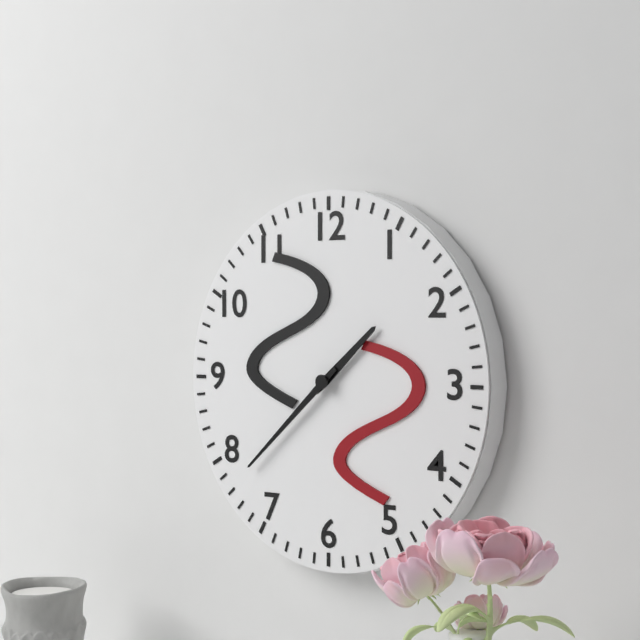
1:38
